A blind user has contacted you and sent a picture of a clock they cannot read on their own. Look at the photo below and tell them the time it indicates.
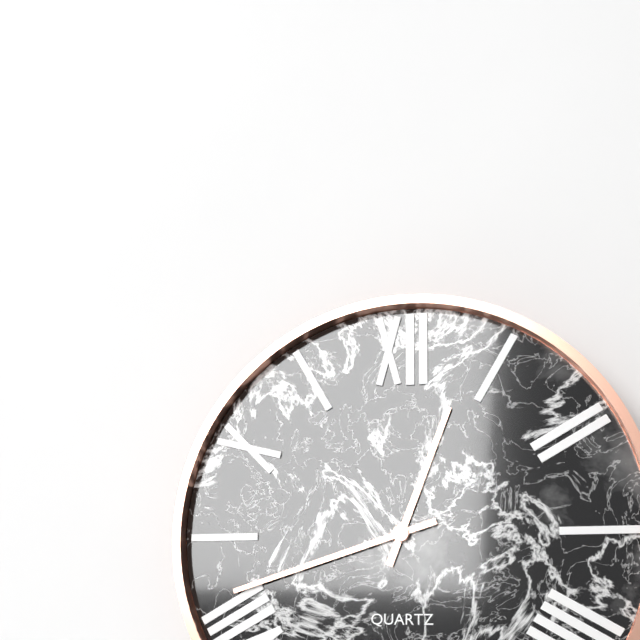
12:42
